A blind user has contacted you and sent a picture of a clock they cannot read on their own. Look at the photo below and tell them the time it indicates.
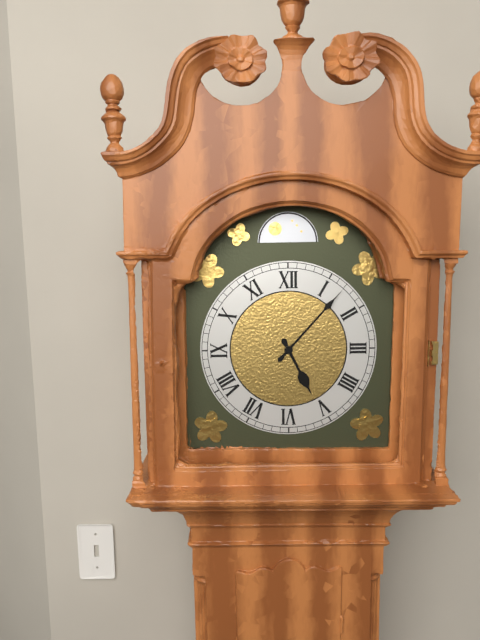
5:07
